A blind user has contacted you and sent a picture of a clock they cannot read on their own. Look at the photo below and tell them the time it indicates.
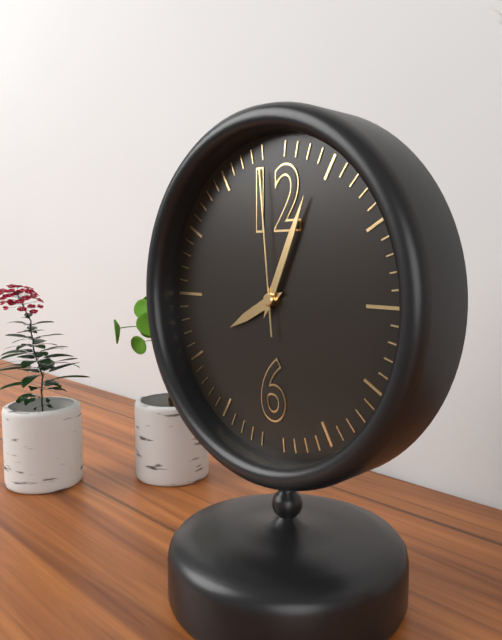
8:04:59
